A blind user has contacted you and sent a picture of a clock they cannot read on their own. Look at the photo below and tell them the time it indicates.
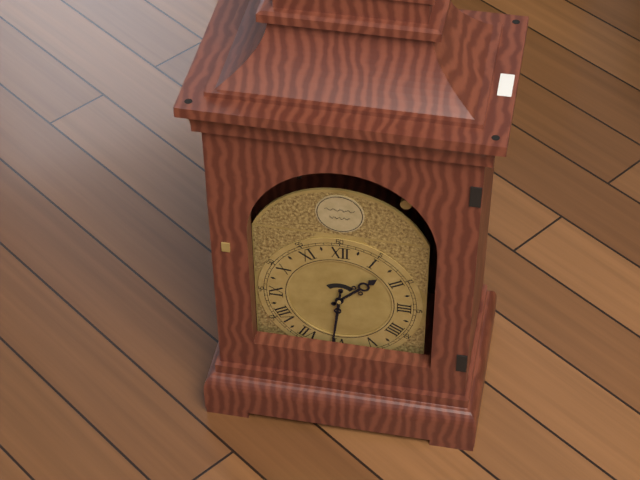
1:31
